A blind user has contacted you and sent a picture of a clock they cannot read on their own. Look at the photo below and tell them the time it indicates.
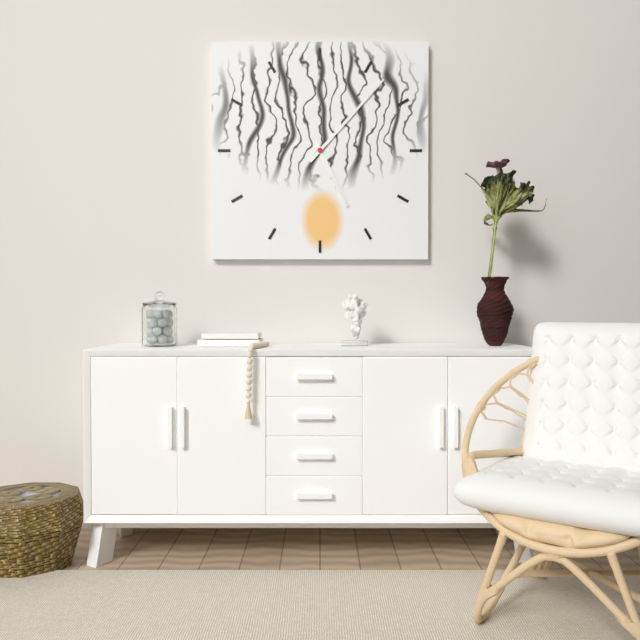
5:07
